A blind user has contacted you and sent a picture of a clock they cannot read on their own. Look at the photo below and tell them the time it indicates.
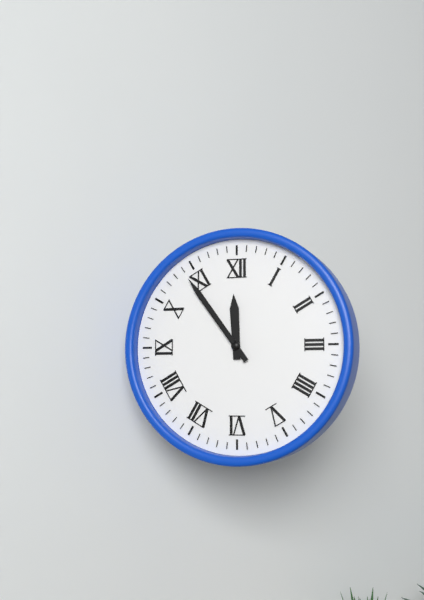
11:54
